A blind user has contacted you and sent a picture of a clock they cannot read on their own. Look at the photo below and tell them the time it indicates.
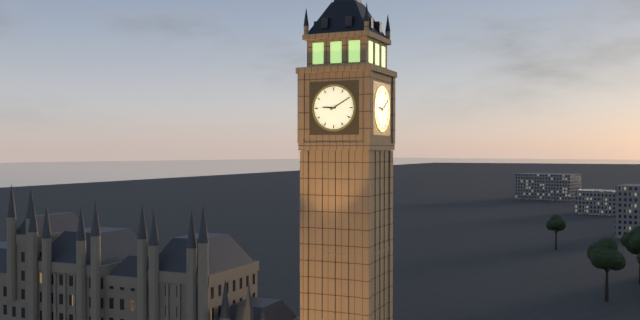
9:10
